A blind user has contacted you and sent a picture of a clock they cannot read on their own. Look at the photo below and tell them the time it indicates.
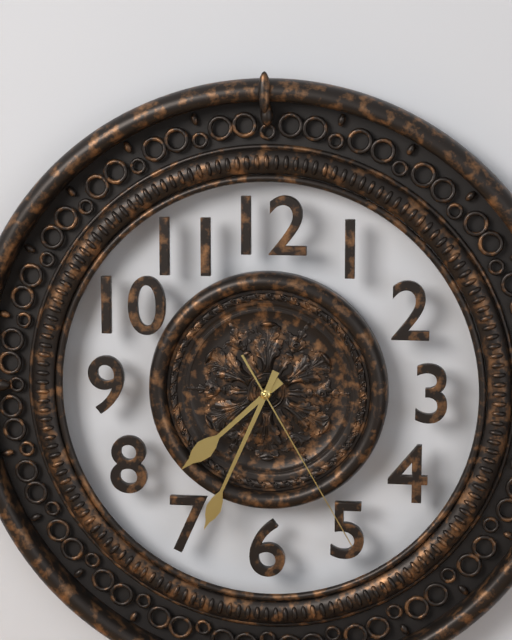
7:34:25
